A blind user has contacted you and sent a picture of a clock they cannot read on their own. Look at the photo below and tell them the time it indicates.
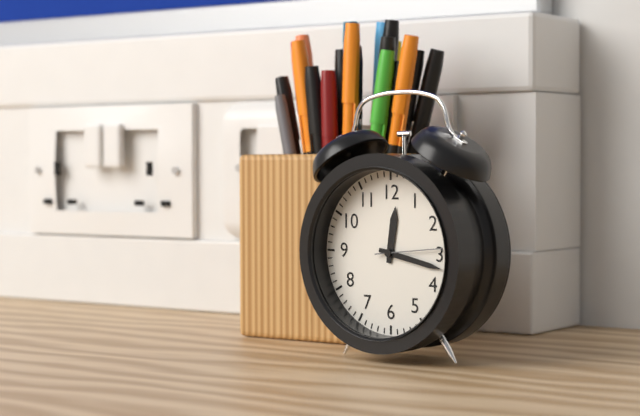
12:17:14
